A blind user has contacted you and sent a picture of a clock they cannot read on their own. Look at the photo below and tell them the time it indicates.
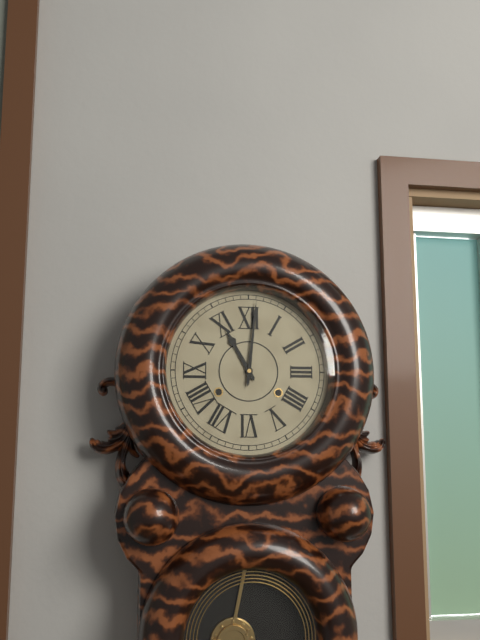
11:01
